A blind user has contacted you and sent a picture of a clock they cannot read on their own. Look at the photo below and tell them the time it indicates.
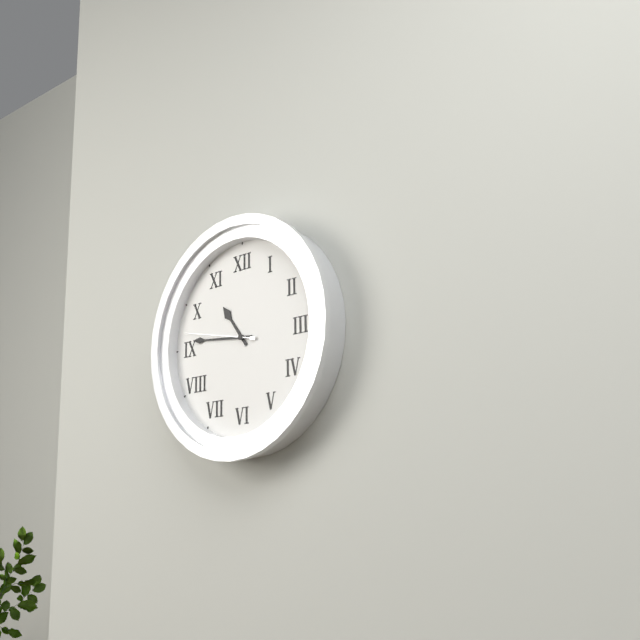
10:46:47
